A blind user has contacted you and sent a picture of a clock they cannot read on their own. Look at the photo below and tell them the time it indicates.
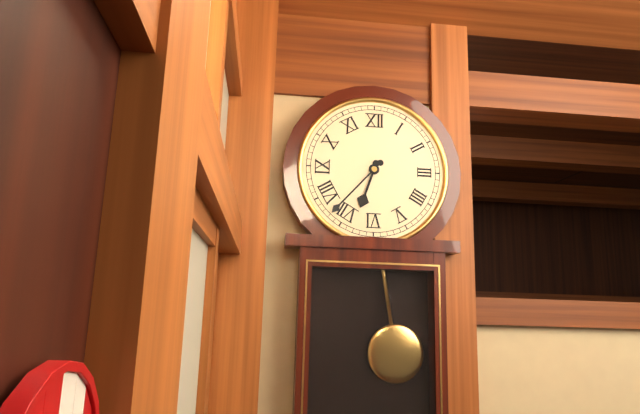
6:37
